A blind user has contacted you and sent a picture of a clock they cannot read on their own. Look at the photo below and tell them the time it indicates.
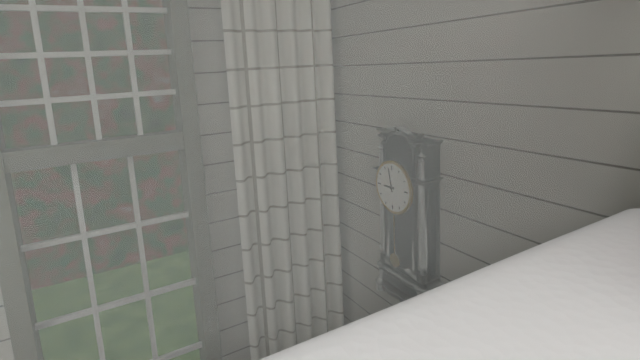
8:58
